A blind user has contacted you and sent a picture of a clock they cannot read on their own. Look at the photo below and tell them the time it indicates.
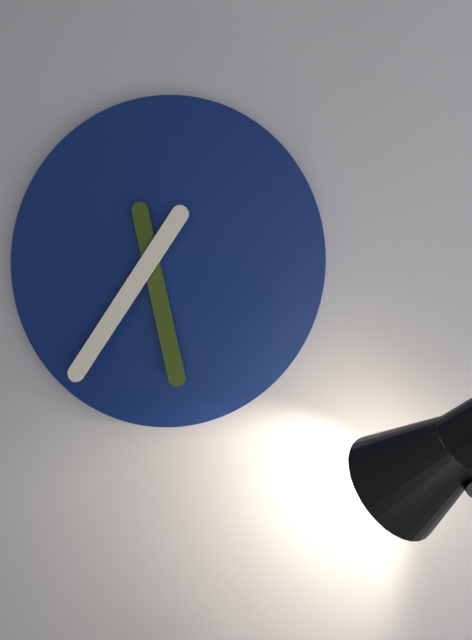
5:36
